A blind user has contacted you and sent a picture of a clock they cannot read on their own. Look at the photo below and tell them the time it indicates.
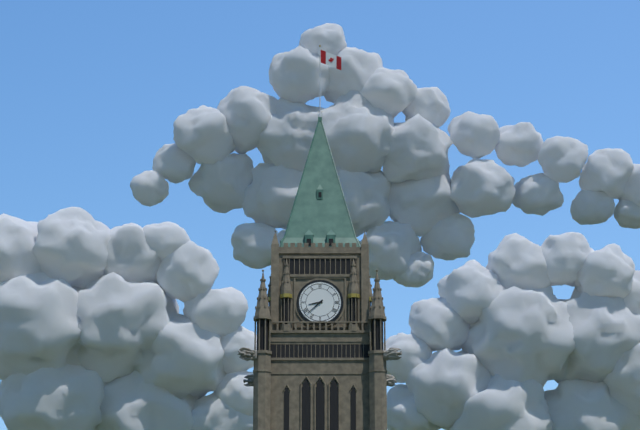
8:38
